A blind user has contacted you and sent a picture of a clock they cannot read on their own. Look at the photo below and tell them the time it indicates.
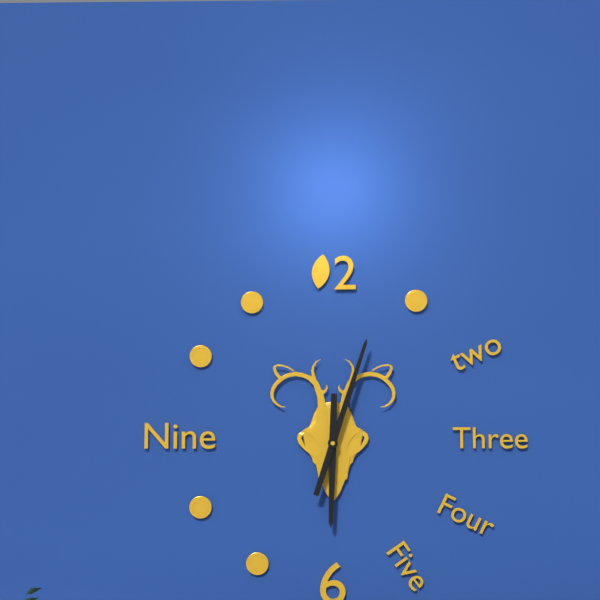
6:03
